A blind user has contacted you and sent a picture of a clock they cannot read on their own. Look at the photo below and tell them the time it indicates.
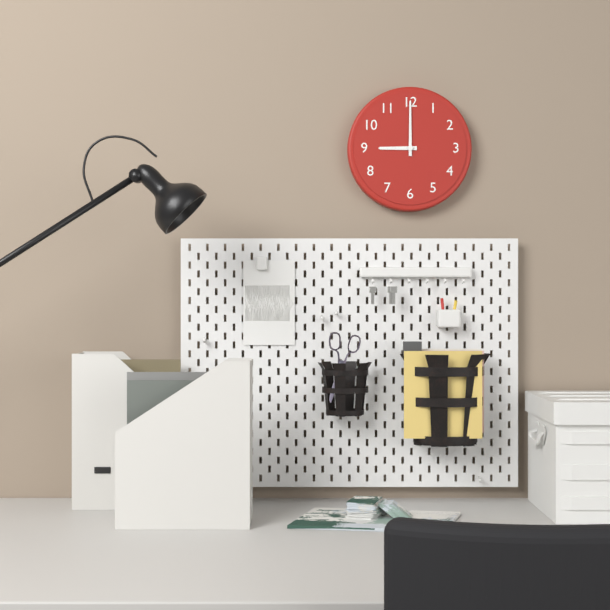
9:00
